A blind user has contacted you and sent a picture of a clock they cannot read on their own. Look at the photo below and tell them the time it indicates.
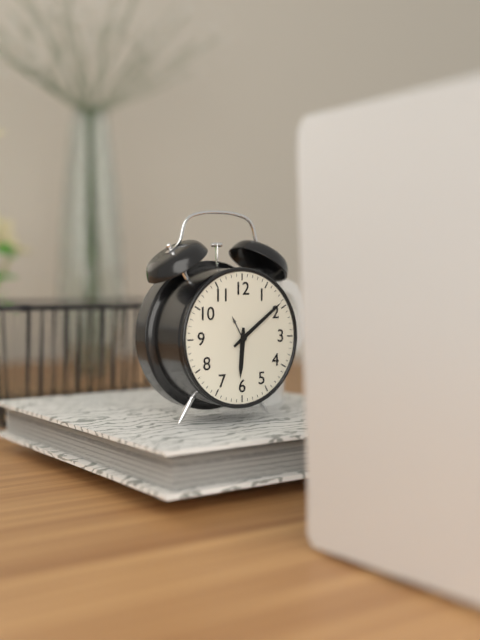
6:09
